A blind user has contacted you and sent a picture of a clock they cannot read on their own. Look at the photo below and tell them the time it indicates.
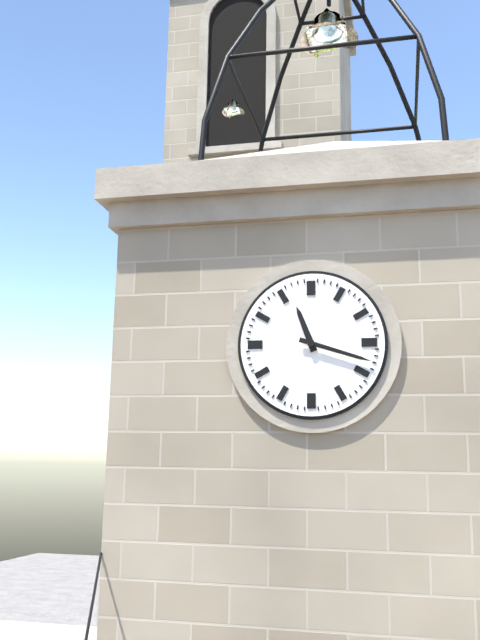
11:18
